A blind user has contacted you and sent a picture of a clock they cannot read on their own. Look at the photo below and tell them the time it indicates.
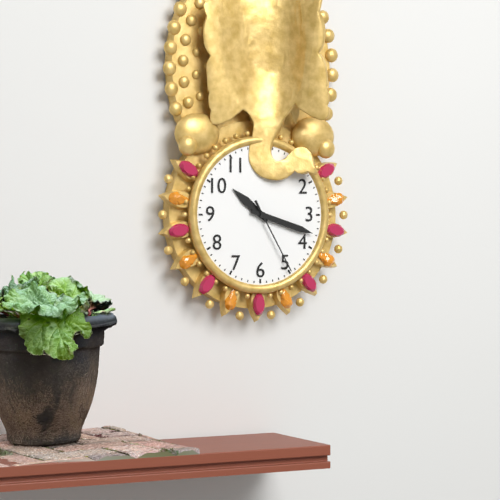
10:18:25
